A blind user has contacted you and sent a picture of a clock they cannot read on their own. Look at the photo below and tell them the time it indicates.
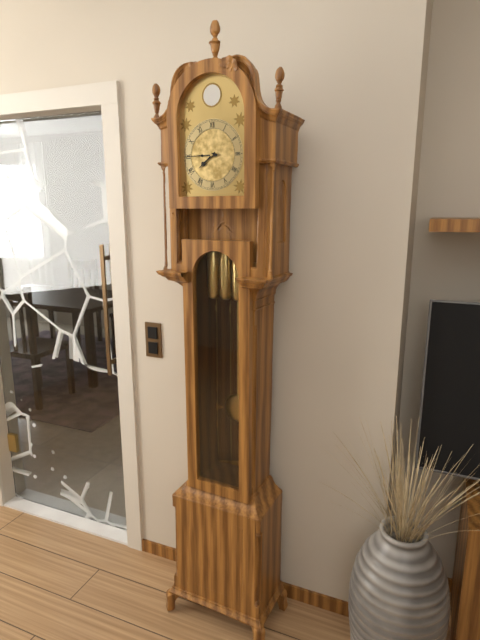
7:45
